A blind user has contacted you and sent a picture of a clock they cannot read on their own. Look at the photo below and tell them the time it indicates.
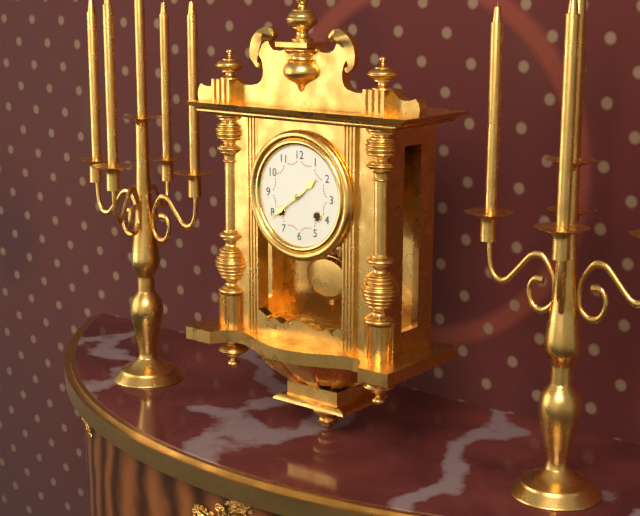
1:39
